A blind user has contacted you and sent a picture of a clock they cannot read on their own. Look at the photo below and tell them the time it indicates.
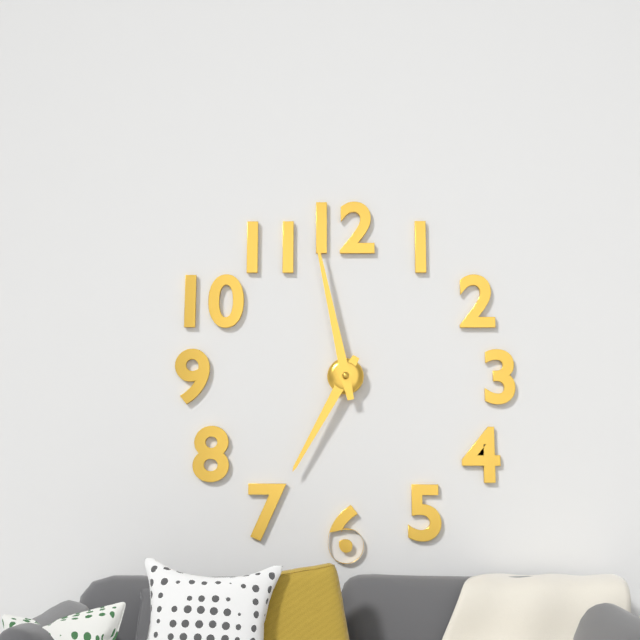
6:58
